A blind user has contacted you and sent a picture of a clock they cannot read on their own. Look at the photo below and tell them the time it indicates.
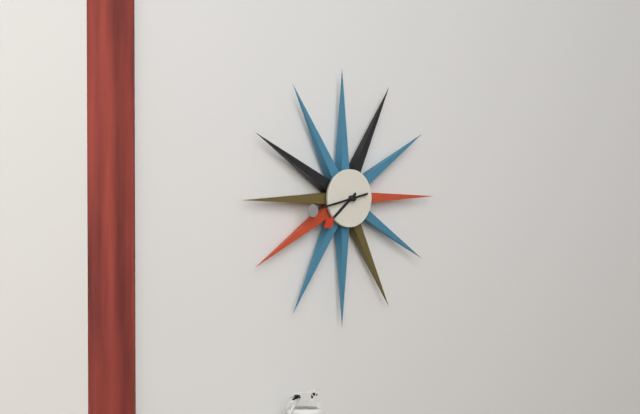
7:43
